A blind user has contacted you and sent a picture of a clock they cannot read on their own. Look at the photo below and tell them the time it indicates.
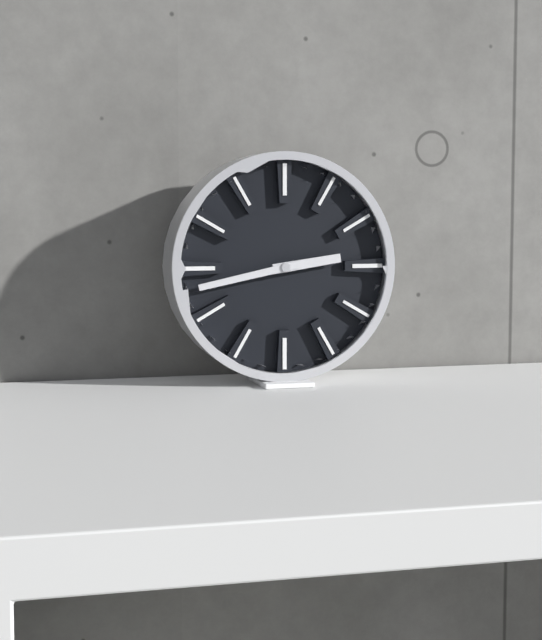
2:43
